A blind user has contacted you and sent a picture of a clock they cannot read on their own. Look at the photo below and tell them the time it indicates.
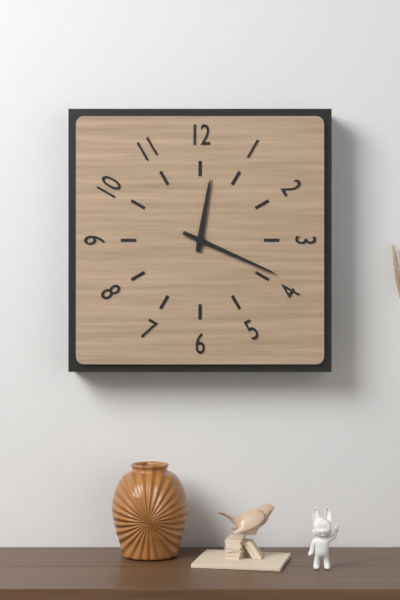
12:19
